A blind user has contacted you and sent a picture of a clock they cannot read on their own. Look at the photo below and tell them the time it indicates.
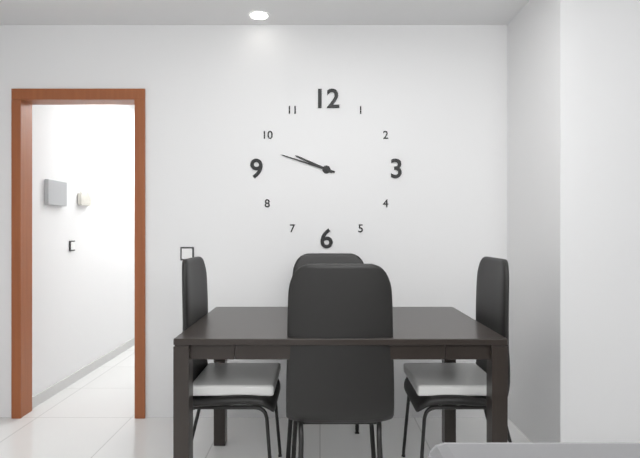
9:48
